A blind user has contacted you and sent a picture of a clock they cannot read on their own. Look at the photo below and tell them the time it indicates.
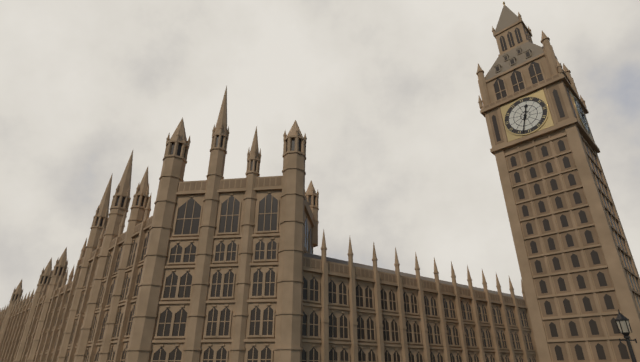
12:33
